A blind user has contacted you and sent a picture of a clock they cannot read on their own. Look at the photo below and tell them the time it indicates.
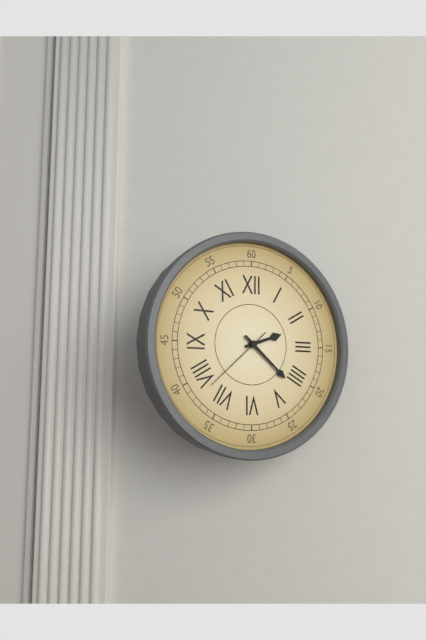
2:22:38
